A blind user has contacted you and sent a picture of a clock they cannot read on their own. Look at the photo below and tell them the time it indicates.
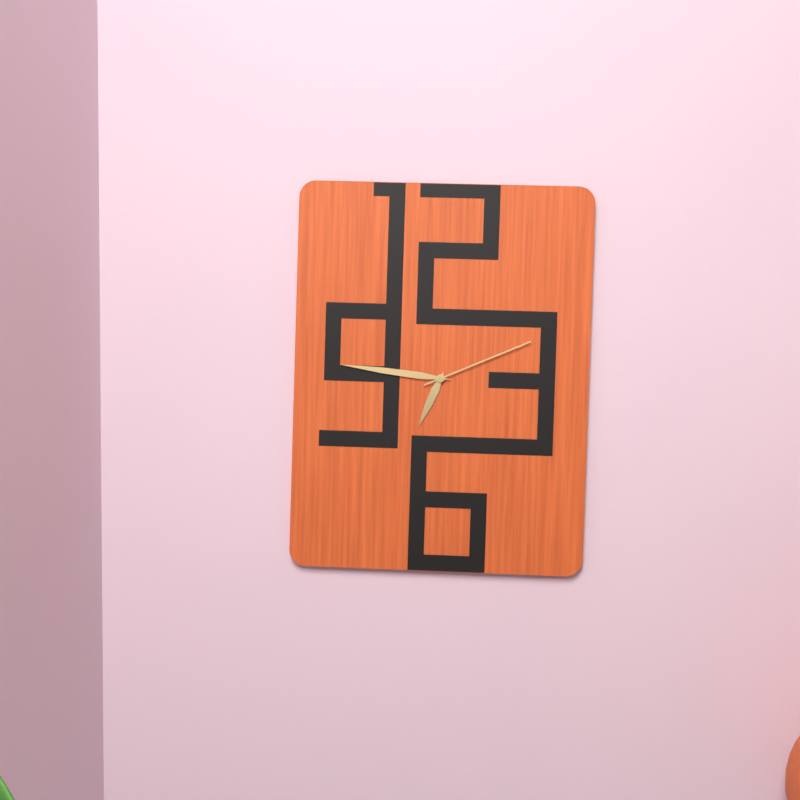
6:46:11
